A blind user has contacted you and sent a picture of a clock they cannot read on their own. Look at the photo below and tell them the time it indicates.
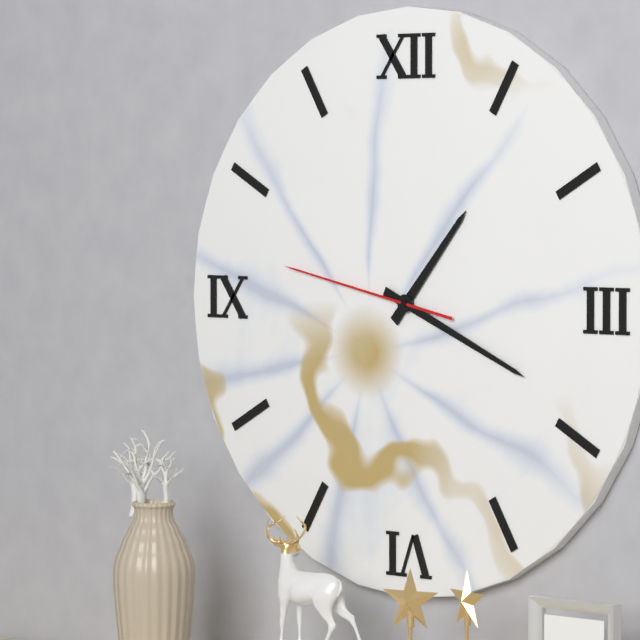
1:19:47
